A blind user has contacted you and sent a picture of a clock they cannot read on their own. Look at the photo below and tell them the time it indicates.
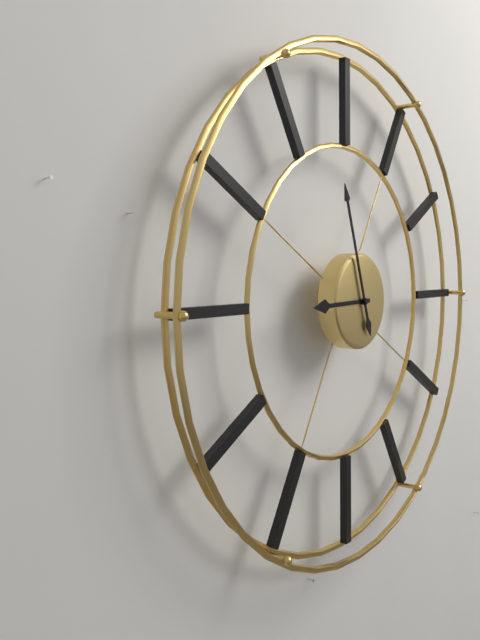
8:57
